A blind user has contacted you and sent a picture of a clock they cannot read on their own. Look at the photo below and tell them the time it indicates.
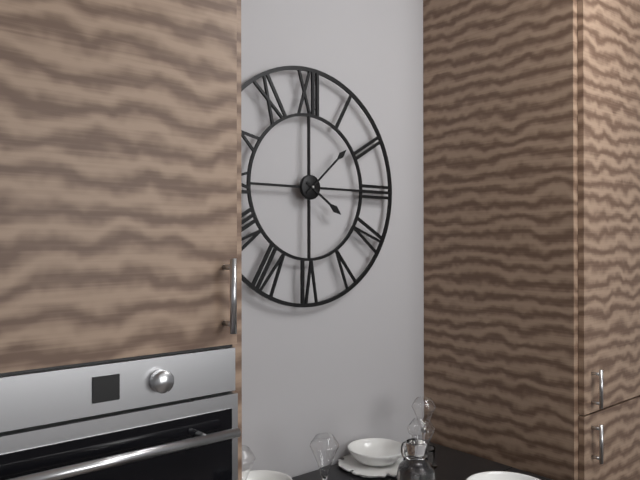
4:08
